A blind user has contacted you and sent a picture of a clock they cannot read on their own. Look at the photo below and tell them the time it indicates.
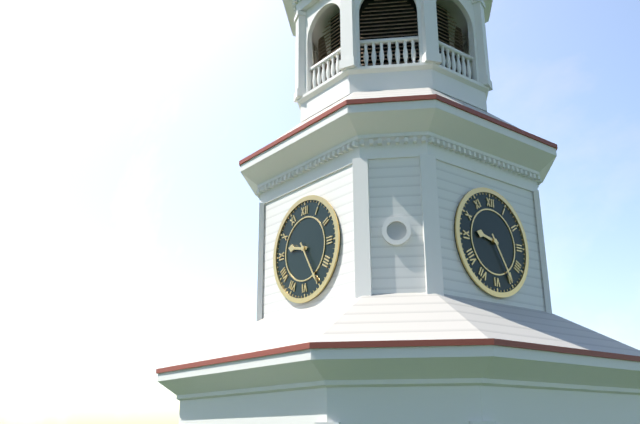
9:25
